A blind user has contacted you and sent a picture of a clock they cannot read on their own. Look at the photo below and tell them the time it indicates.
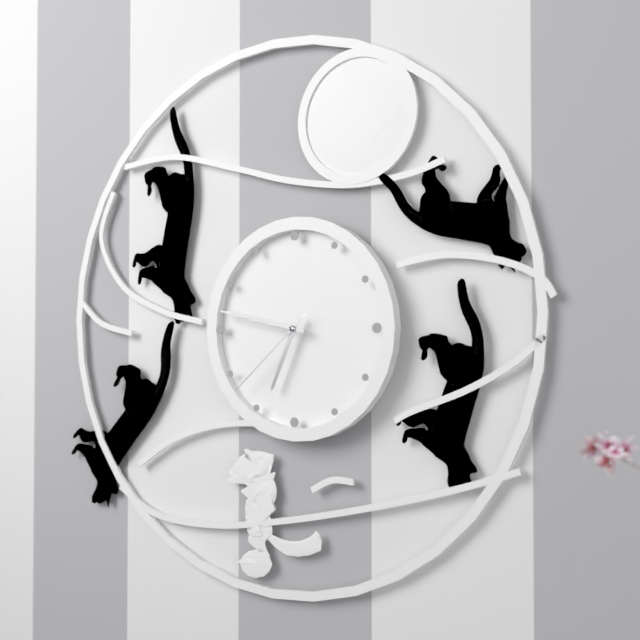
6:47:38
